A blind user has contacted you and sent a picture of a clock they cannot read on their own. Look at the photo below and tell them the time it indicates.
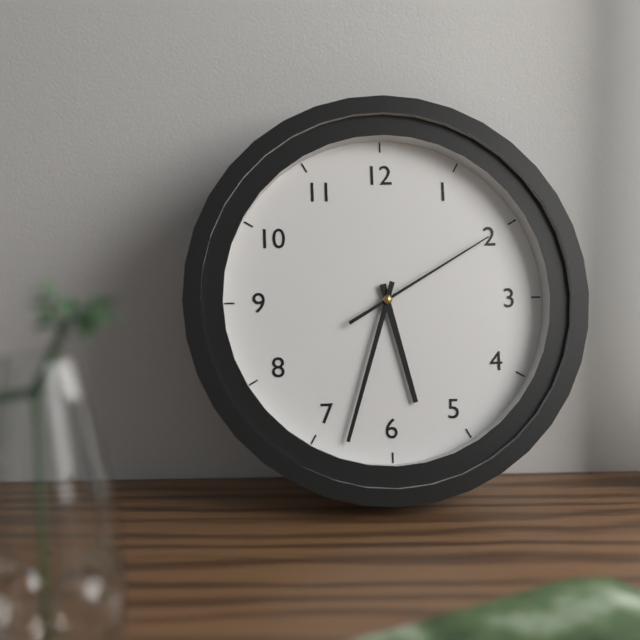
5:33:10
